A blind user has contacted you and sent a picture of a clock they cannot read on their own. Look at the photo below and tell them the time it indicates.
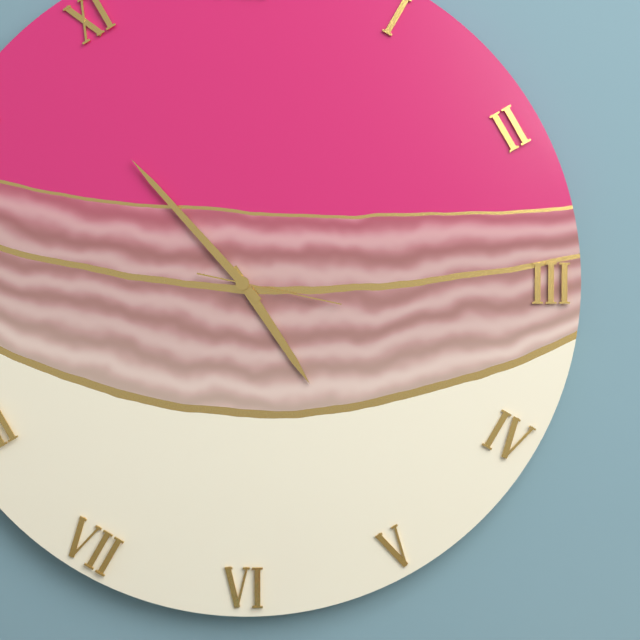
4:53:17
